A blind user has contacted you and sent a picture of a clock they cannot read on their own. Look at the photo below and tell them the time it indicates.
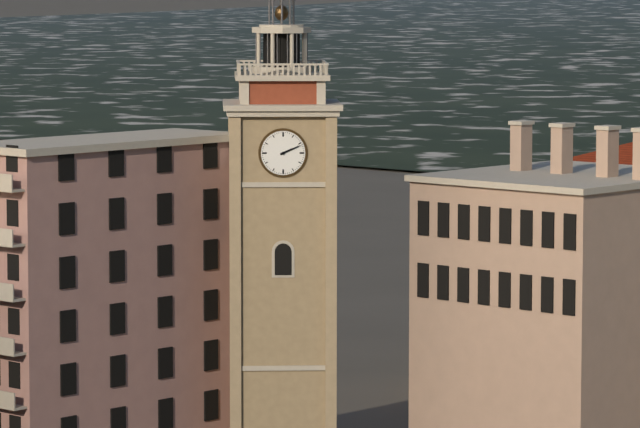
2:11
